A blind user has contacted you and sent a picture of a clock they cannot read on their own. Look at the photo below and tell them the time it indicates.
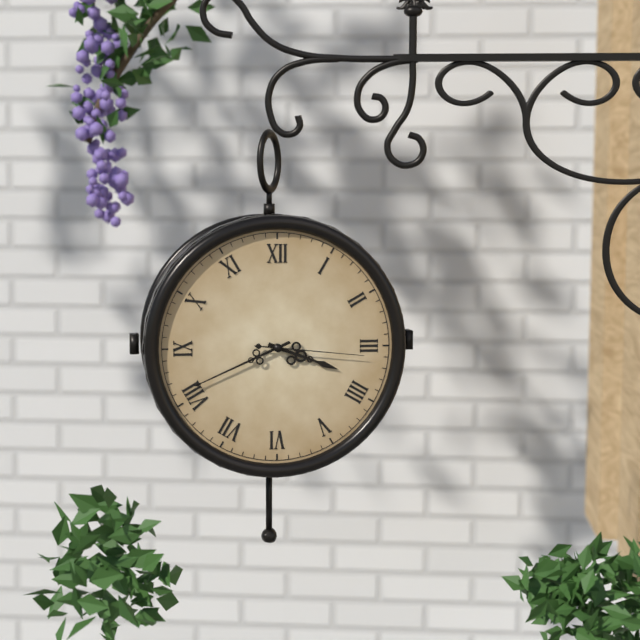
3:41:16
